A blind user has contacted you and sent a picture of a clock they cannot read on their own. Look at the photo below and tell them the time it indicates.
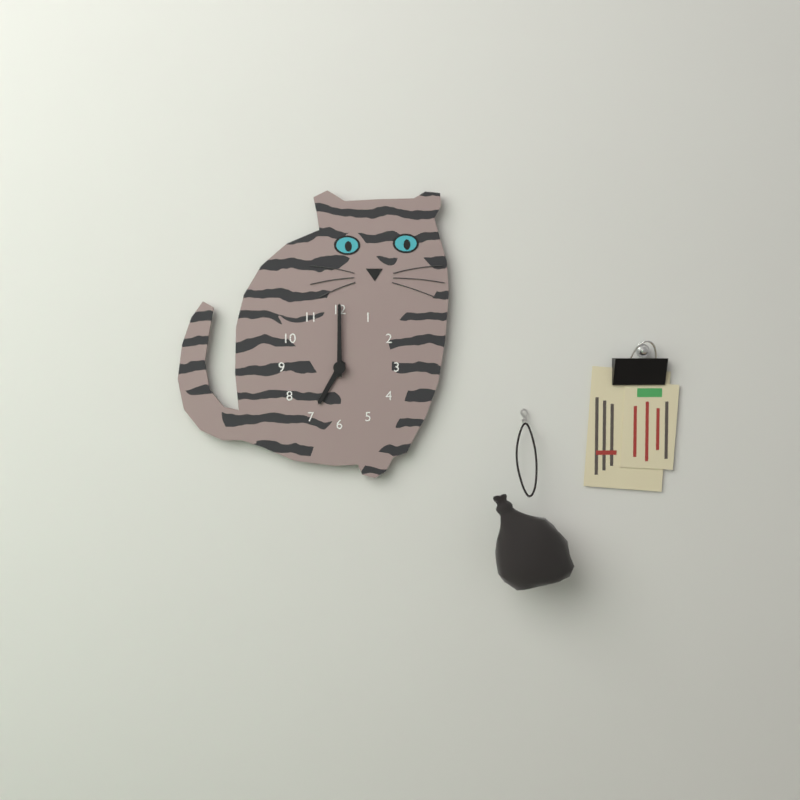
7:00
